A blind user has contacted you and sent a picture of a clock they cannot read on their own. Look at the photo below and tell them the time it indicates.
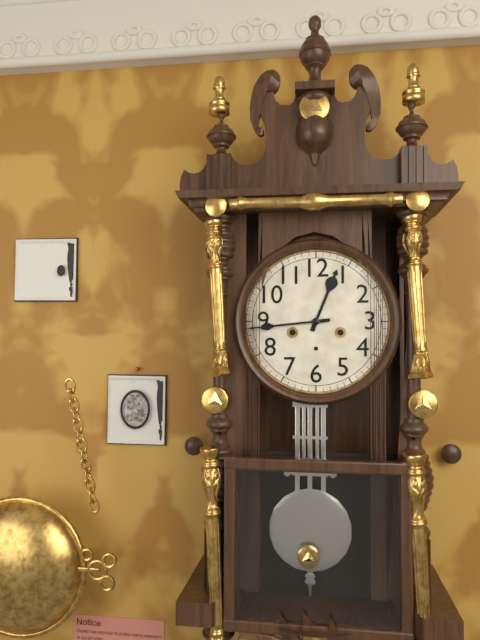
12:44
